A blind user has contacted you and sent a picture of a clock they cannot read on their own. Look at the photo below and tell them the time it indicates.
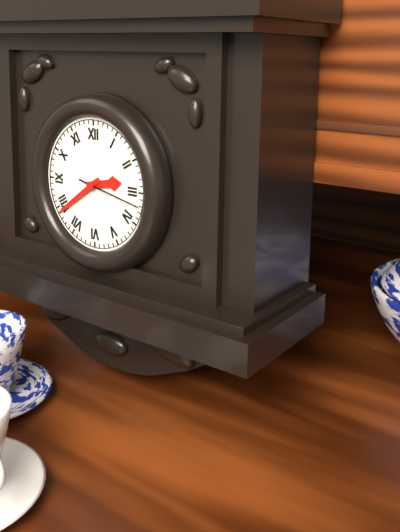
2:39
